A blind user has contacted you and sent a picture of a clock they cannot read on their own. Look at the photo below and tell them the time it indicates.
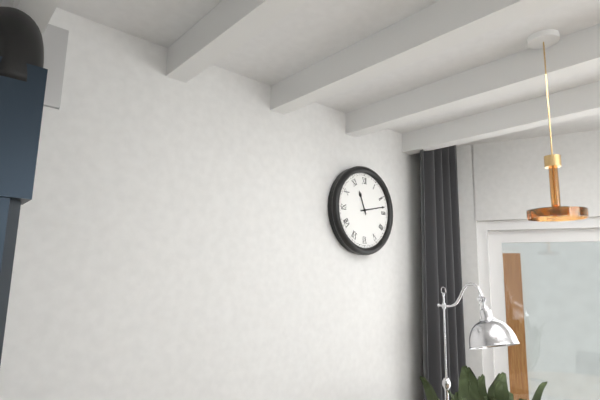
11:13
